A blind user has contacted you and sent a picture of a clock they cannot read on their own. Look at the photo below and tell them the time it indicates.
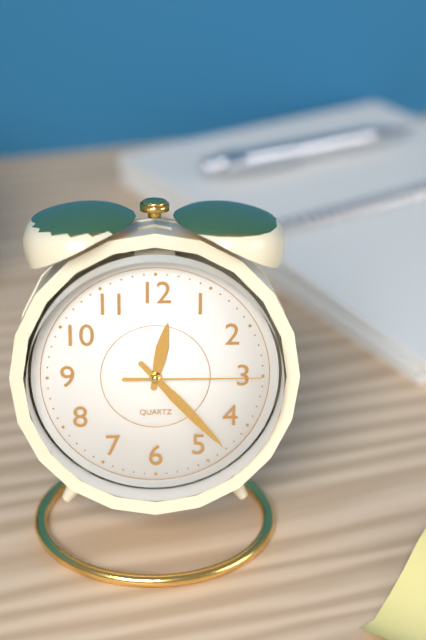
12:23:15
